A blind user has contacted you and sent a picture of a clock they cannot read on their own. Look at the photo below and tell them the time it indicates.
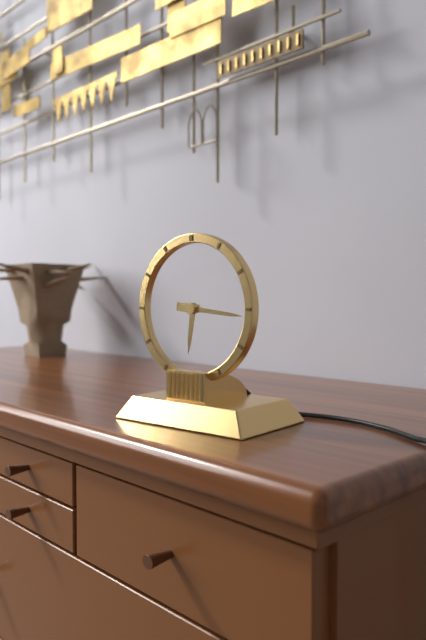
6:16
